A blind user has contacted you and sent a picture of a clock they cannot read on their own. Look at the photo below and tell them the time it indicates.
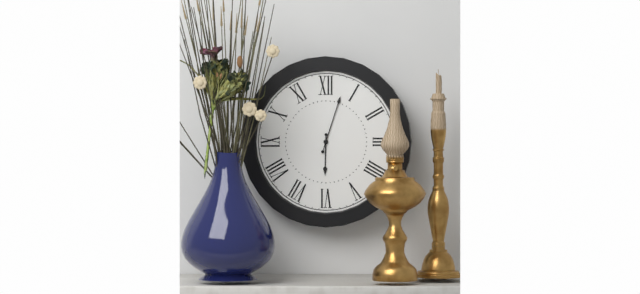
6:03
